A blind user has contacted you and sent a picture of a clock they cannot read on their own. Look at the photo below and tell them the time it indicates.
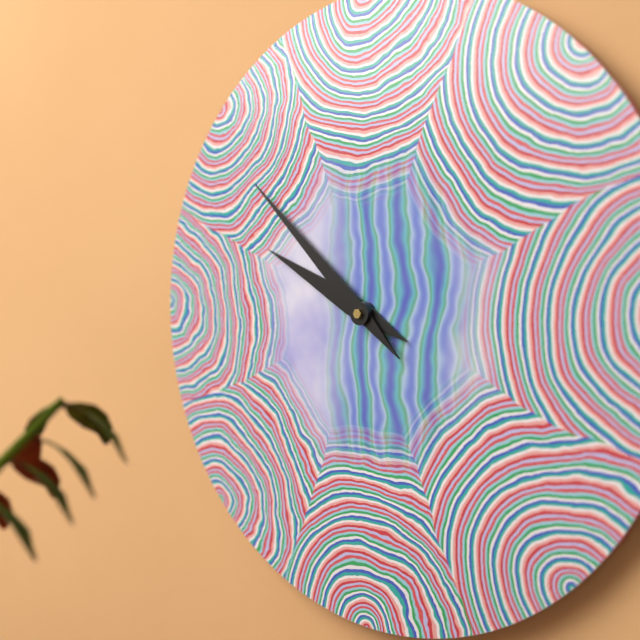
9:52
